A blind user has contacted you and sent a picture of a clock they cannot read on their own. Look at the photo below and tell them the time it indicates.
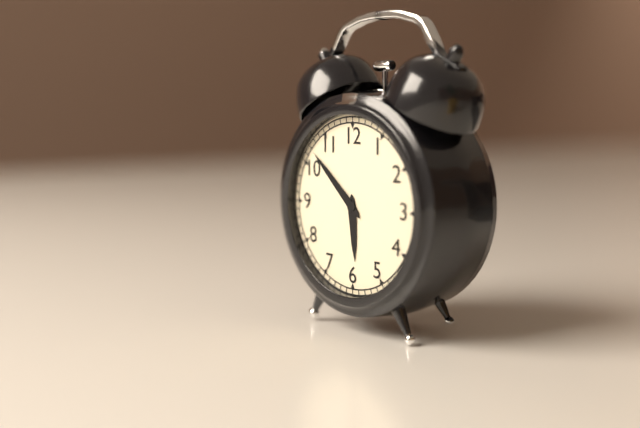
5:52
